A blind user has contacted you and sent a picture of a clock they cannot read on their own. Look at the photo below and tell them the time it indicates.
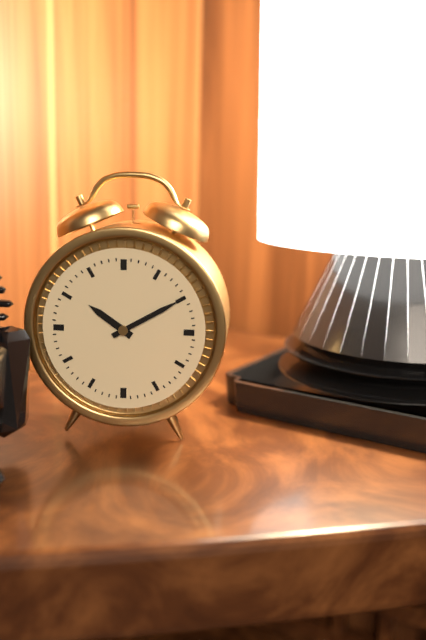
10:10
